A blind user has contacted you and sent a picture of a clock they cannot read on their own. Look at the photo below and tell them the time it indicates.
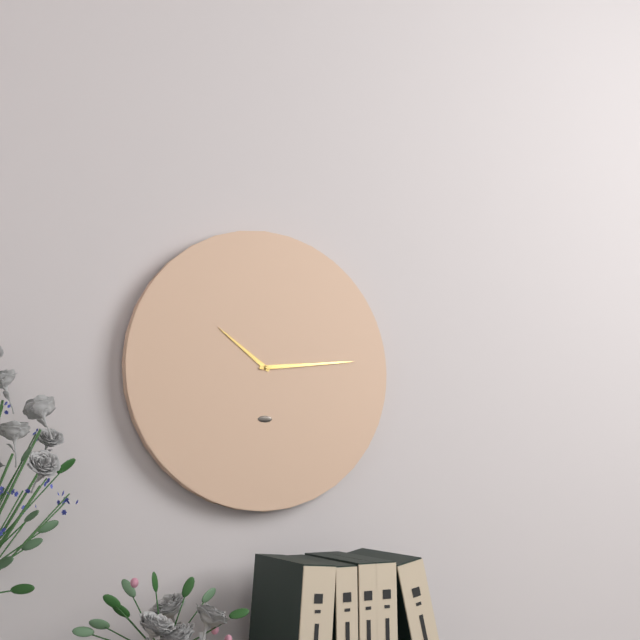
10:14
